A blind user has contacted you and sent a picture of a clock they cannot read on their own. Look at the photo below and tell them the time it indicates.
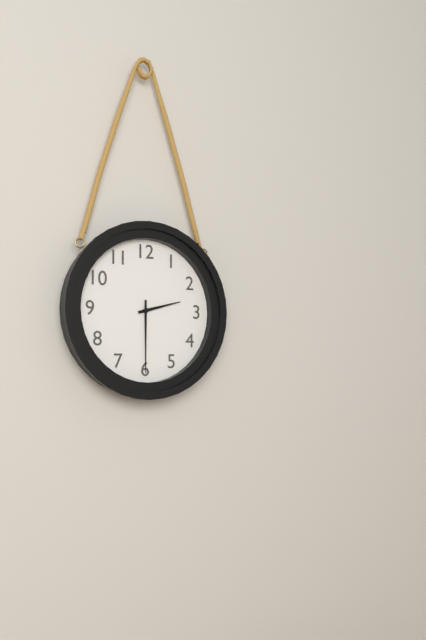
2:30
